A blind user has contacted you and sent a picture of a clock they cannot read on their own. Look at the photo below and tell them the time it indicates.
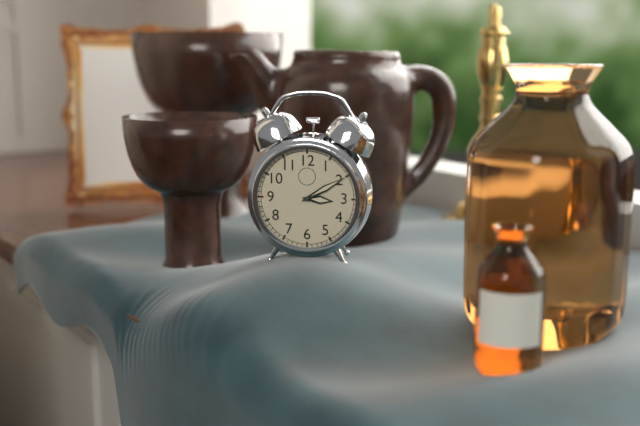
3:10
